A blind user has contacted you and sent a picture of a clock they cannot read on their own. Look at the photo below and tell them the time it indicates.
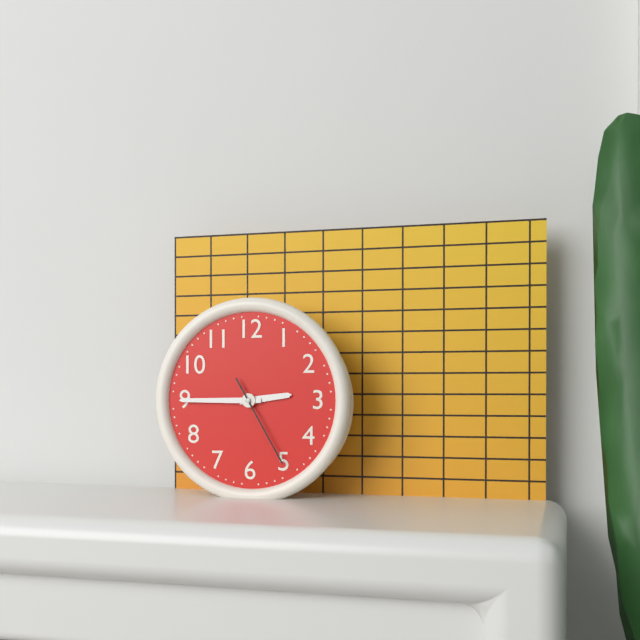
2:45:25
